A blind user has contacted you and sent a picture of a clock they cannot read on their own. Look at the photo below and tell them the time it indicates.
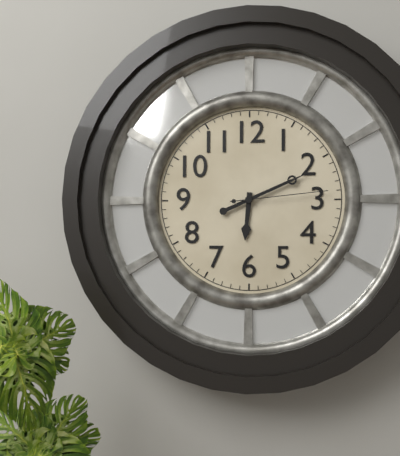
6:11:14
